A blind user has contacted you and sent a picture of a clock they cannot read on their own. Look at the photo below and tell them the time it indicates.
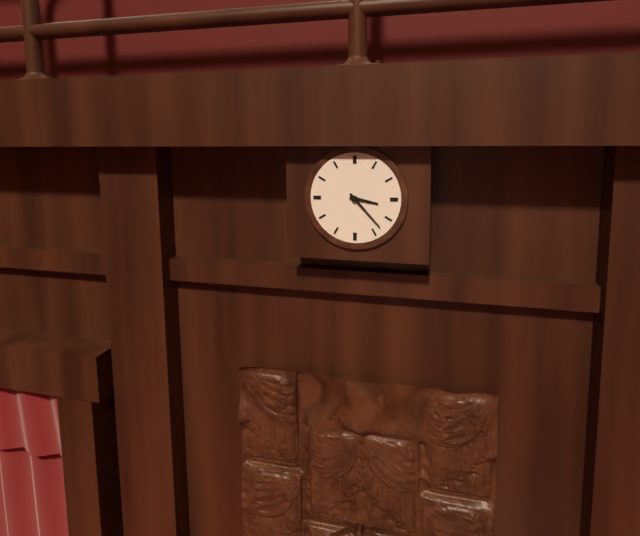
3:23
